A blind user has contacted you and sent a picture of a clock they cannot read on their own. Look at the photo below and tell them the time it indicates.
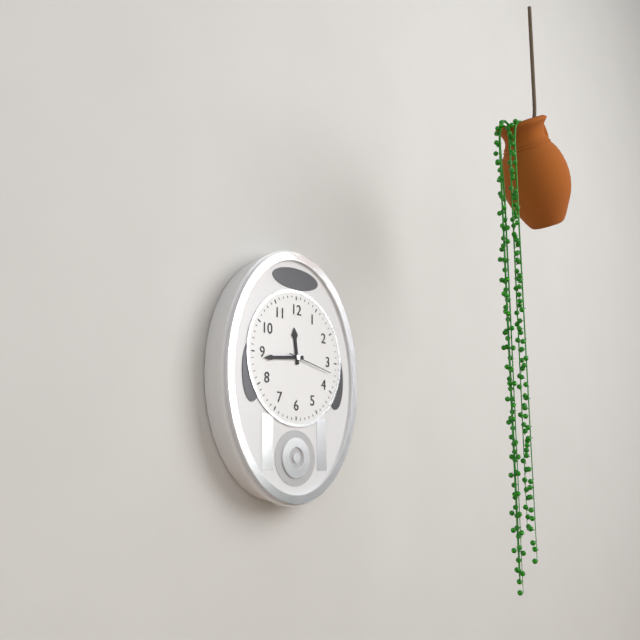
11:44
